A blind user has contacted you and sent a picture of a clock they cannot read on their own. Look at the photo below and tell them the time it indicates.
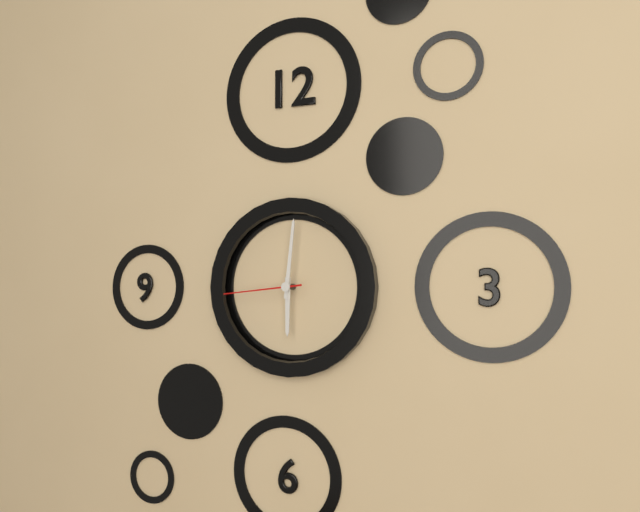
6:01:44
